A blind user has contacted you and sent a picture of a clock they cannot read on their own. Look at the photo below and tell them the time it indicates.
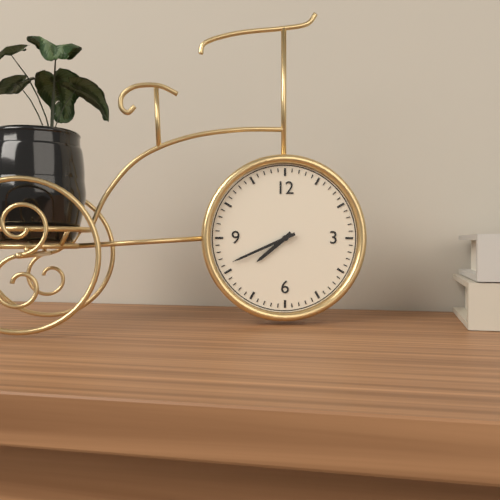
7:41
